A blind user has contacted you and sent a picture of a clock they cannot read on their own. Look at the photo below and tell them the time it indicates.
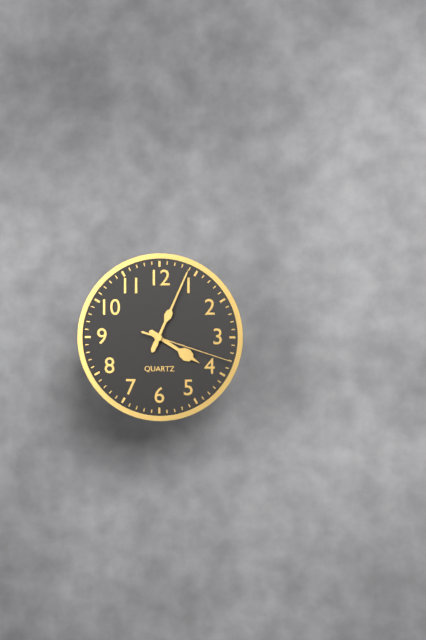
4:04:18
